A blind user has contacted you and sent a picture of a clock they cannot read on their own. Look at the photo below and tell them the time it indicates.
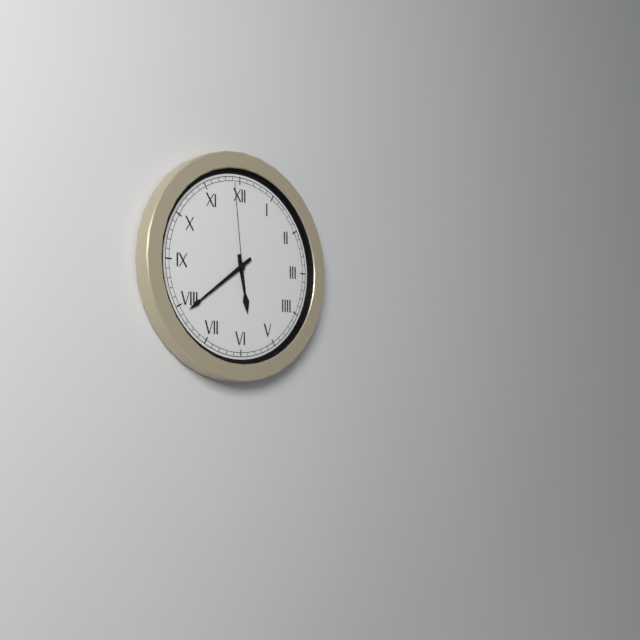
5:39:59
